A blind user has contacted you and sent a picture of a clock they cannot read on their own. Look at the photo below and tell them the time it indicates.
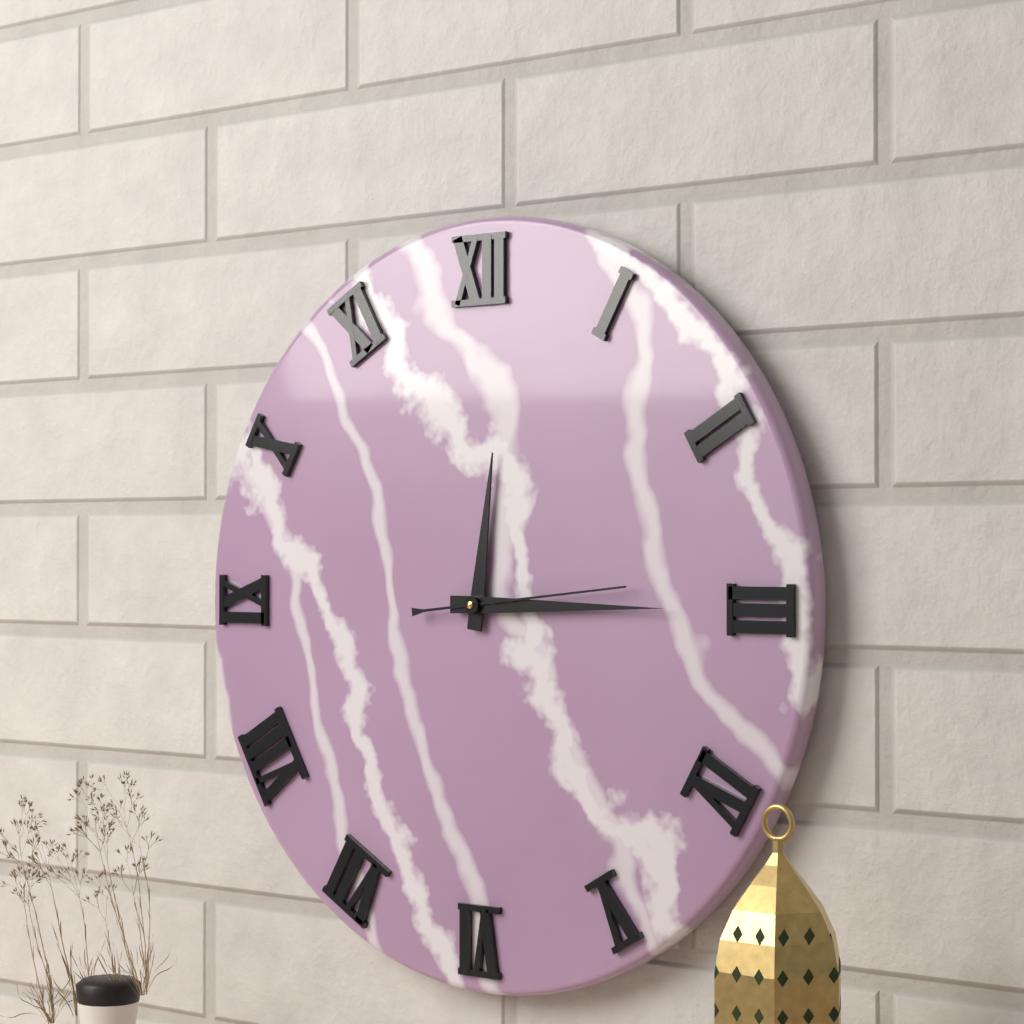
12:15:14
